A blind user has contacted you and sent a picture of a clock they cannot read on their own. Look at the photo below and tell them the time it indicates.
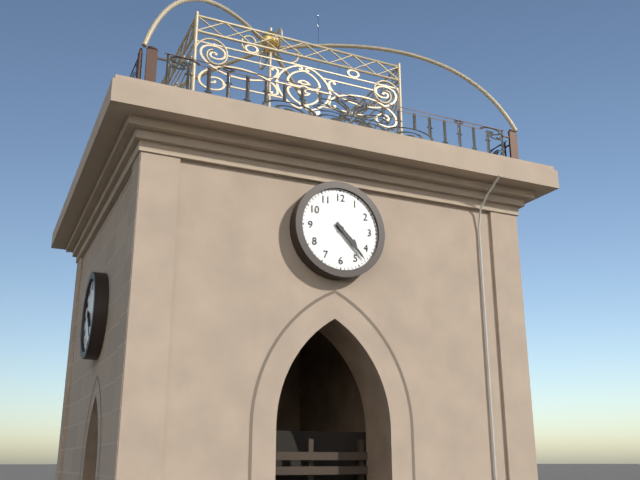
4:23
